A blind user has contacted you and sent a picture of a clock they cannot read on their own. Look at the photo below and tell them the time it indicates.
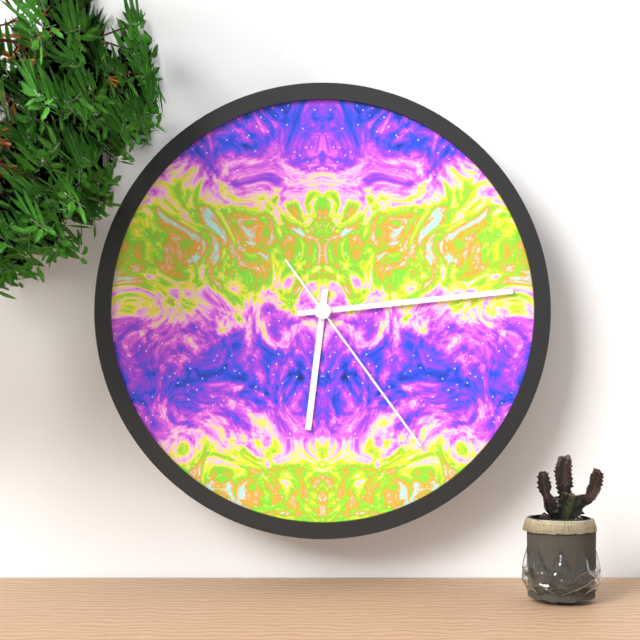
6:14:24
